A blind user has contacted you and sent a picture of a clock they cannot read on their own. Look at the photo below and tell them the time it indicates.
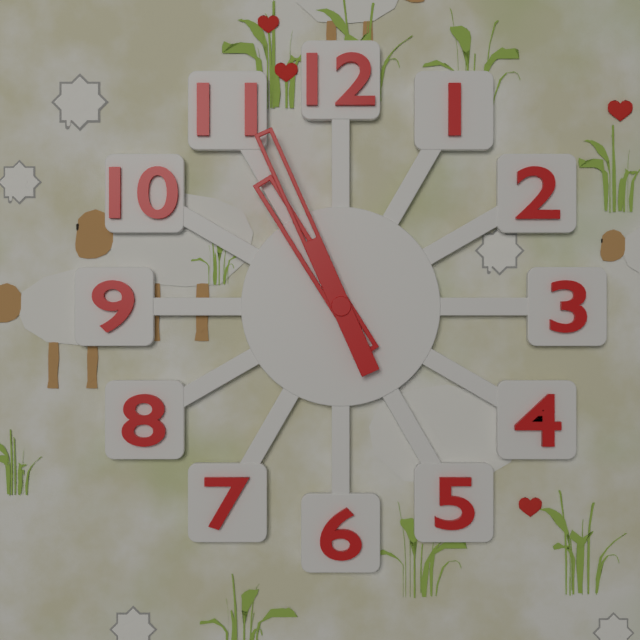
10:56
